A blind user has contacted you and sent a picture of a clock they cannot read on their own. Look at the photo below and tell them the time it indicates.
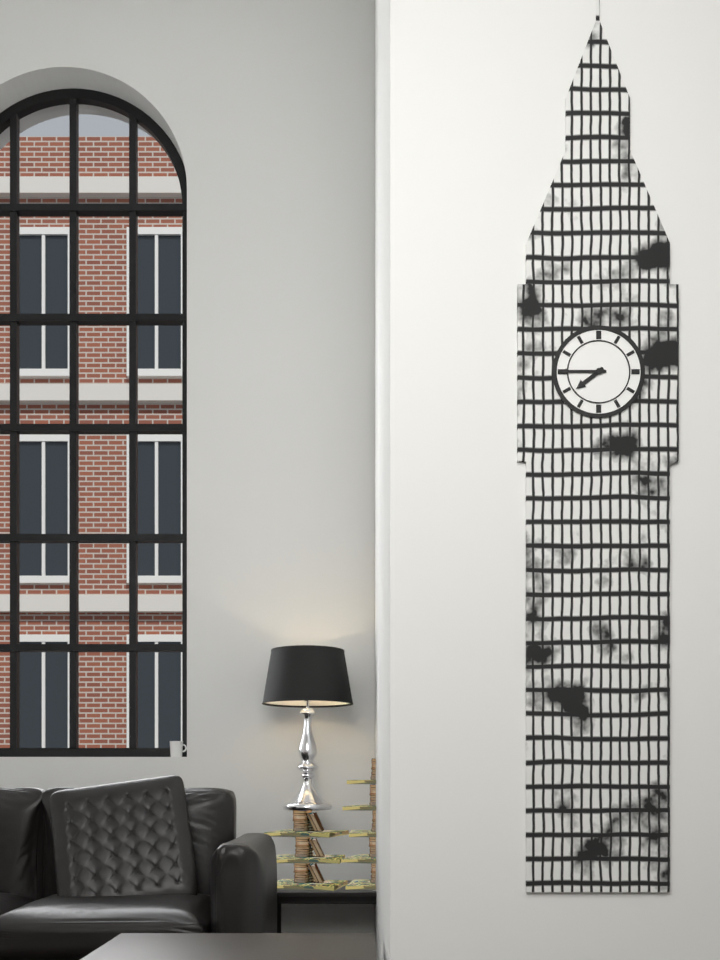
7:45
